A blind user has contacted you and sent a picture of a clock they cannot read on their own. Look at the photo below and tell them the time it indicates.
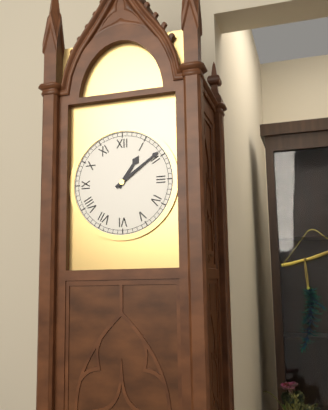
1:09
